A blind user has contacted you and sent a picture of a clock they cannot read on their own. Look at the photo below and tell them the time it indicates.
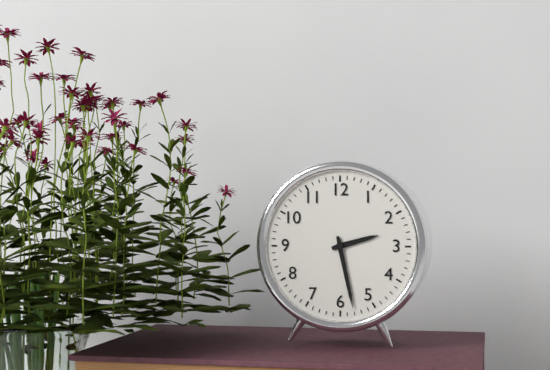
2:28
